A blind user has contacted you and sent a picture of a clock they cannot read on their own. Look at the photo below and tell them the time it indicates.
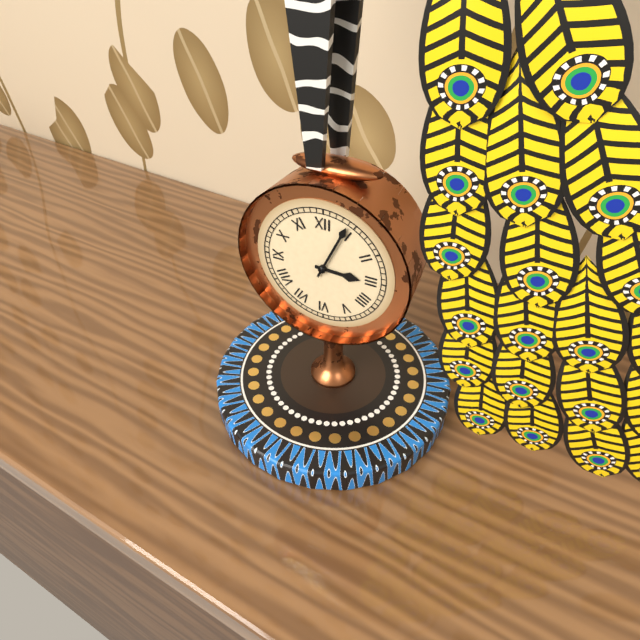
3:04
